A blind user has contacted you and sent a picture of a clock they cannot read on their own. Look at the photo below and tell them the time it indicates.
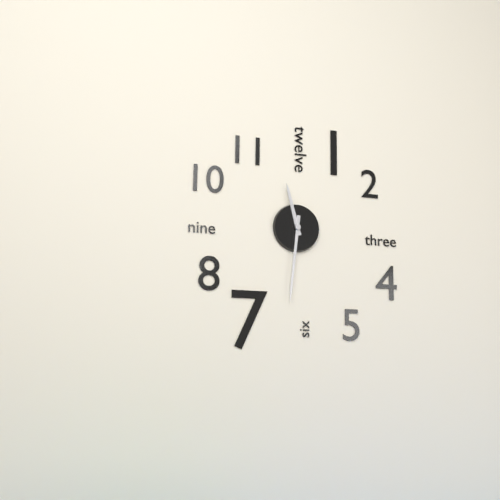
11:31
